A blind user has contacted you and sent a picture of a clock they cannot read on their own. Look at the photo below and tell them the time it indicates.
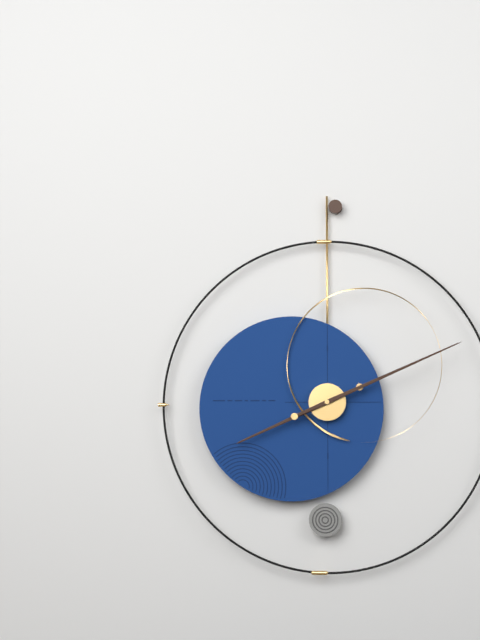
8:11
